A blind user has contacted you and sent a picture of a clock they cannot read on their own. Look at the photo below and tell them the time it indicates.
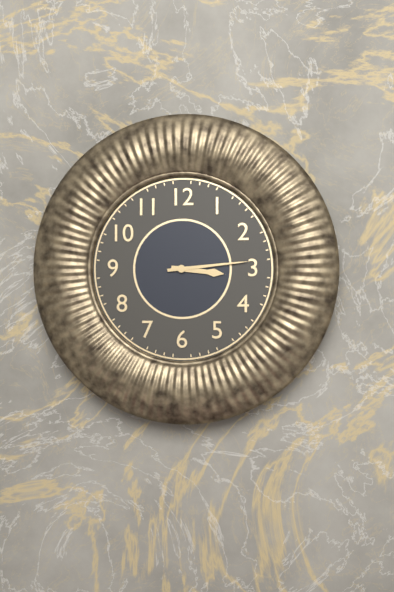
3:14
